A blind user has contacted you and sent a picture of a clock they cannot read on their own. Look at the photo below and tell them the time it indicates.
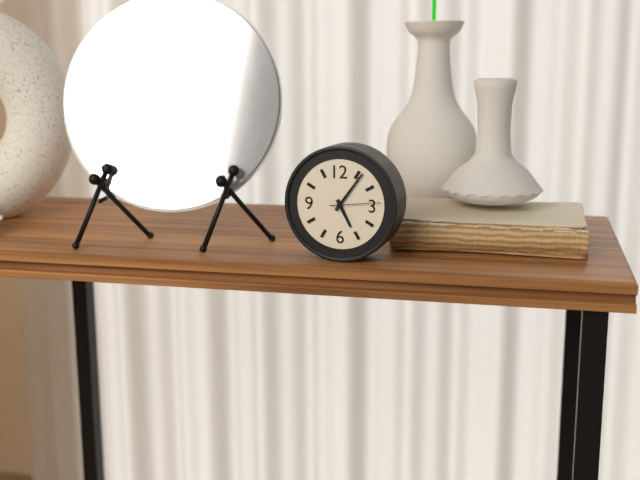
5:06:14
